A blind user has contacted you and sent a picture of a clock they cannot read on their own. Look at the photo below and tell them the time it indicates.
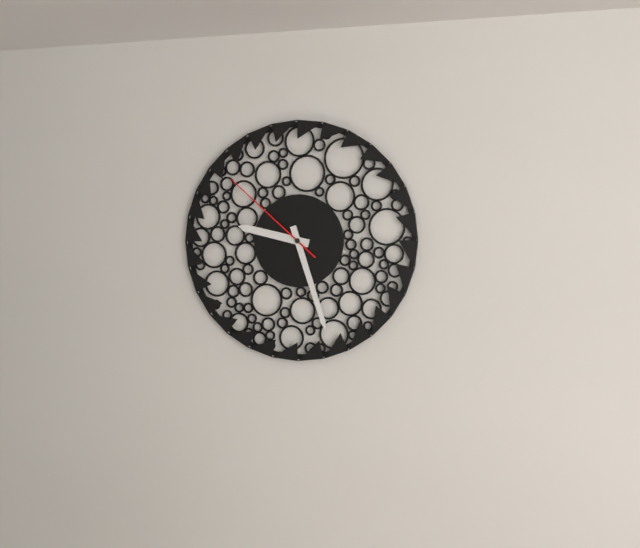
9:27:52
